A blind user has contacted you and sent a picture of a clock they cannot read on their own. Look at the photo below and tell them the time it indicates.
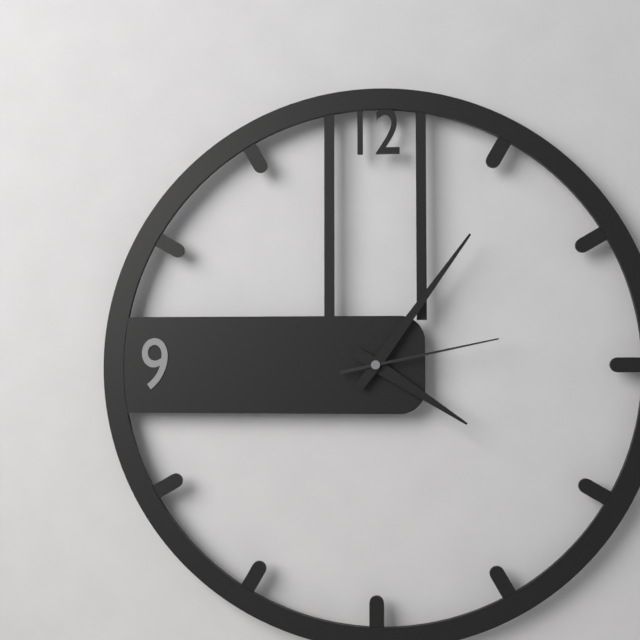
4:06:13
